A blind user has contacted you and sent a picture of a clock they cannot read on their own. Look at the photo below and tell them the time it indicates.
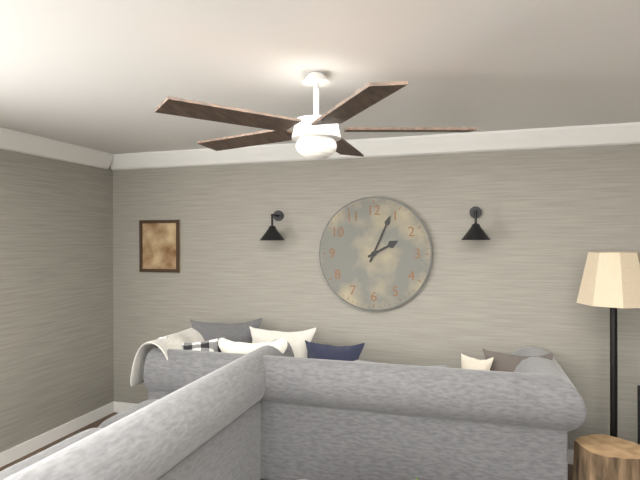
2:04
